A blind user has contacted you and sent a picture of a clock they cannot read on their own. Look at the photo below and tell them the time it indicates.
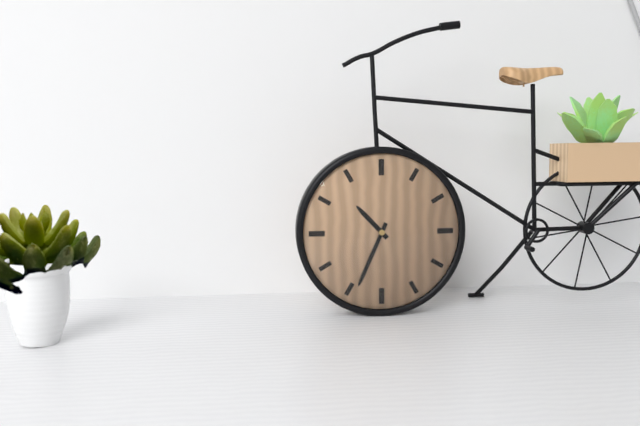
10:34
